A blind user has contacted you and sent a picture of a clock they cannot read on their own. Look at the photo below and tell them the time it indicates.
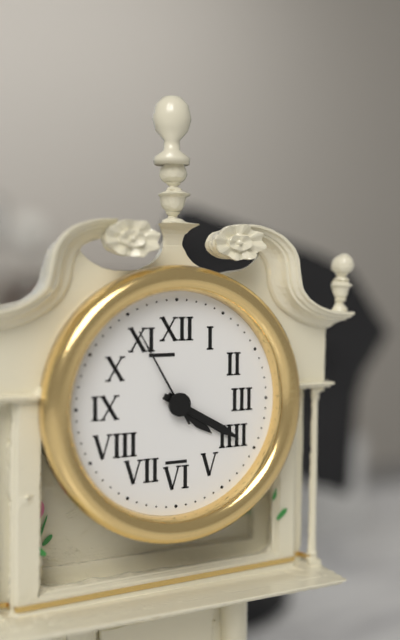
4:20:55
